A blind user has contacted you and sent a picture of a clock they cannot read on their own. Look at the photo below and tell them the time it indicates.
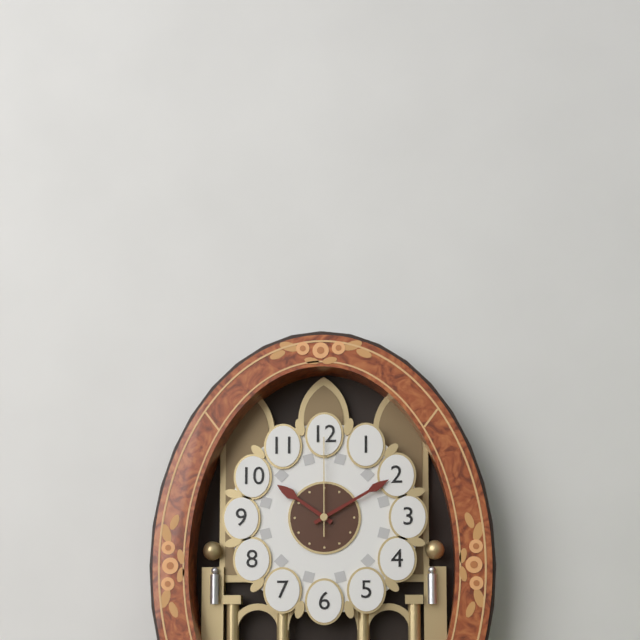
10:10:00
